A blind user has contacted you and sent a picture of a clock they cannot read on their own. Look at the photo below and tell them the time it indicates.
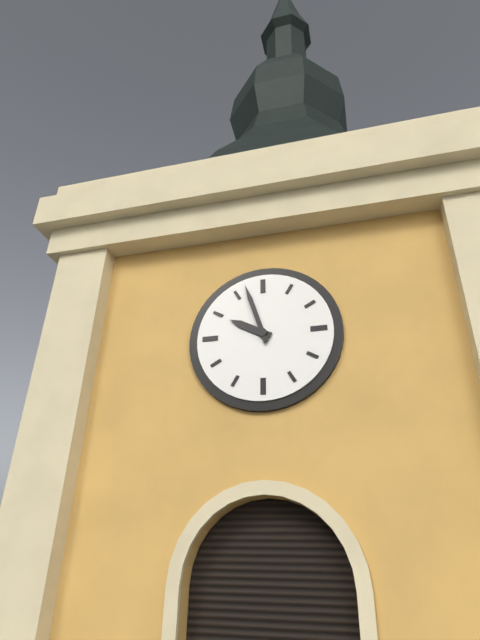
9:57
